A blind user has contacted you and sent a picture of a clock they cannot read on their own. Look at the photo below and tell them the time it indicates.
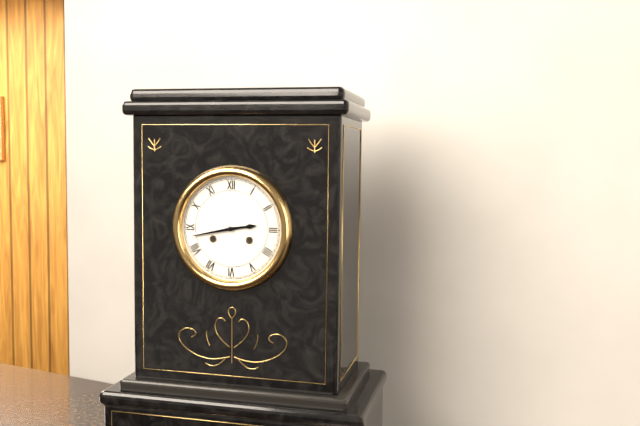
2:43
